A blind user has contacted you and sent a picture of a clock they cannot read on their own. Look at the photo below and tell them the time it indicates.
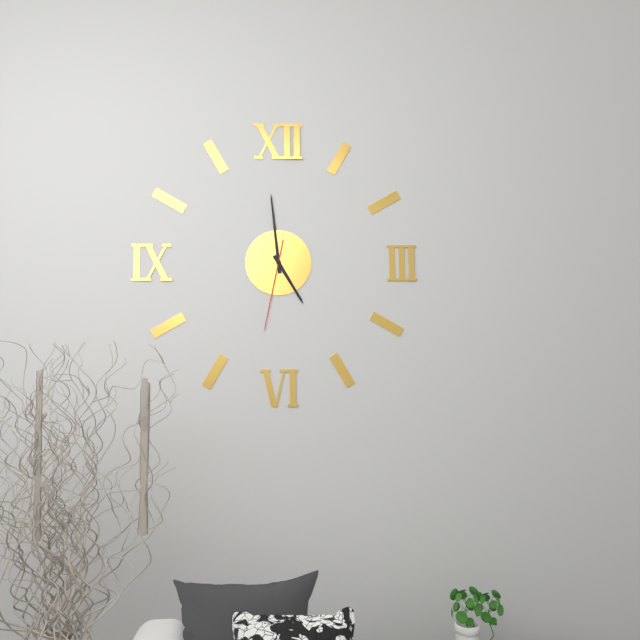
4:59:32
